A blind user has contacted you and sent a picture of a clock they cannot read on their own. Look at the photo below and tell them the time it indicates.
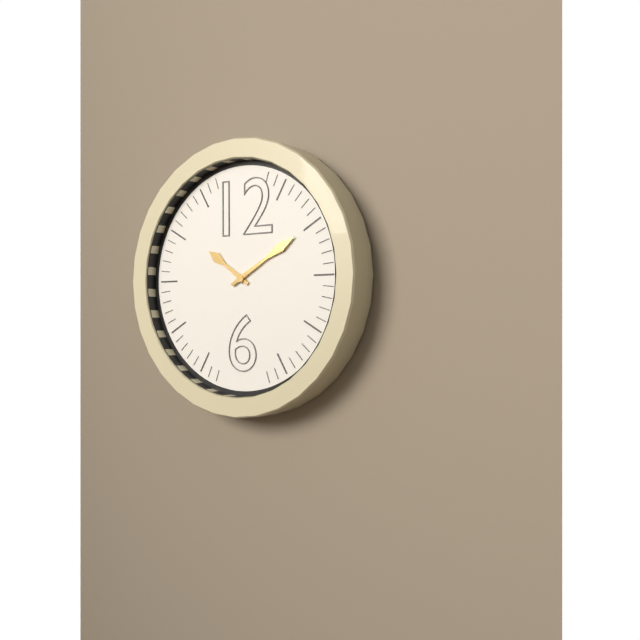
10:10
